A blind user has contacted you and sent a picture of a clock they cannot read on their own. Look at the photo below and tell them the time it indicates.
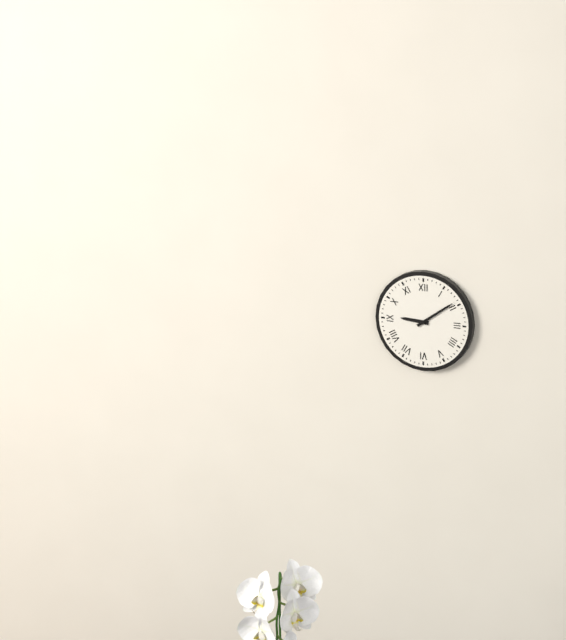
9:09
